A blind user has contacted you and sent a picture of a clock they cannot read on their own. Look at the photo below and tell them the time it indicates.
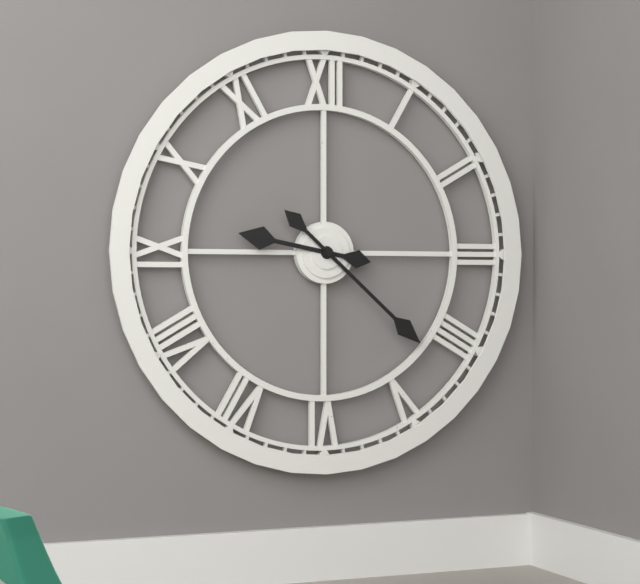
9:22
